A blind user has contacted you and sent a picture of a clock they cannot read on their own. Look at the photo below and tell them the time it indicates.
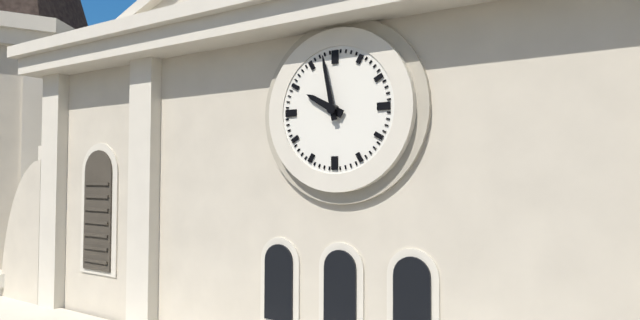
9:58
